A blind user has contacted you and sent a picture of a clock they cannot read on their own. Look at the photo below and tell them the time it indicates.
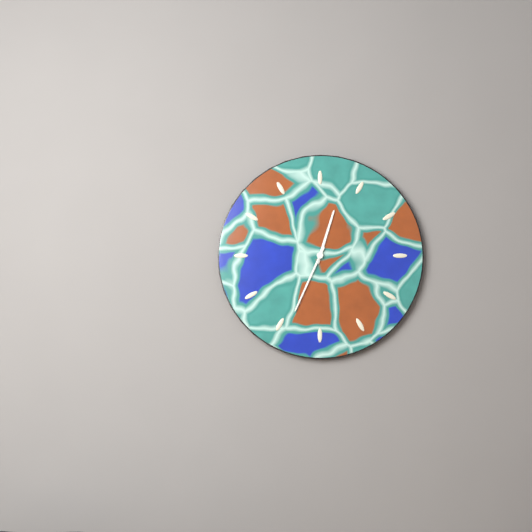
12:34
